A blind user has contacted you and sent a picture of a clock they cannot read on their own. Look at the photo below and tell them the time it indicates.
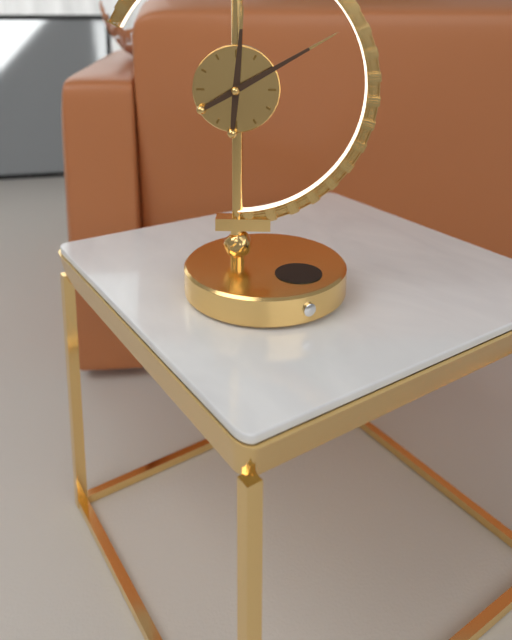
12:10
